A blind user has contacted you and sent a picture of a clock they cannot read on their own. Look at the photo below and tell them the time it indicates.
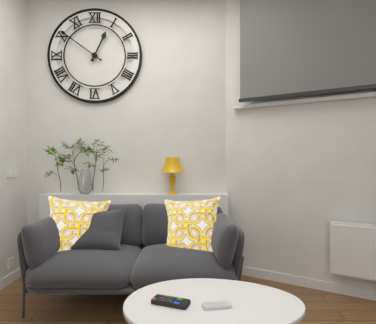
12:51
